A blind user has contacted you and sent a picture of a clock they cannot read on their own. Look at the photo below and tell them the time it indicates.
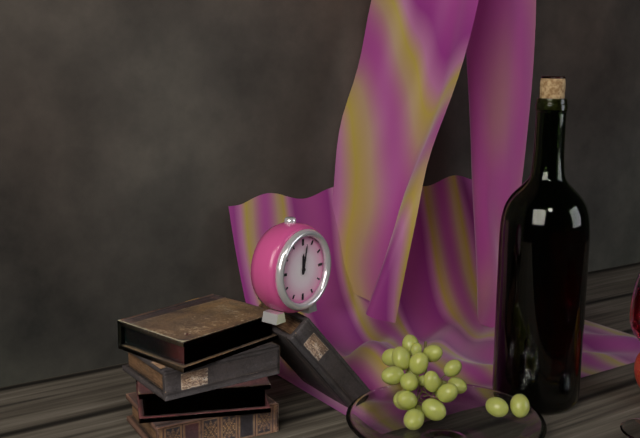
12:02
